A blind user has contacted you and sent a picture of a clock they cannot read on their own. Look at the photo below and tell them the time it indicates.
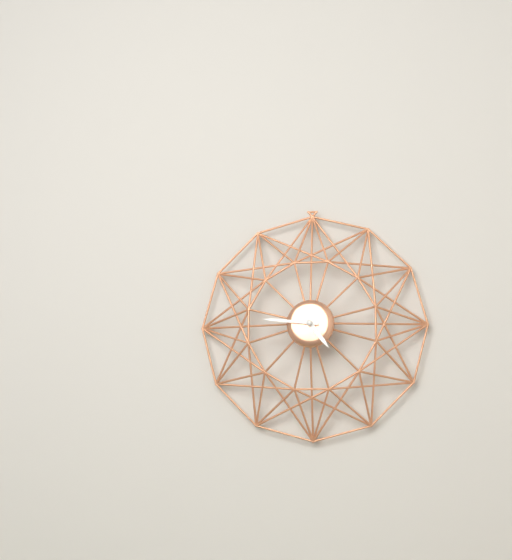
4:46
